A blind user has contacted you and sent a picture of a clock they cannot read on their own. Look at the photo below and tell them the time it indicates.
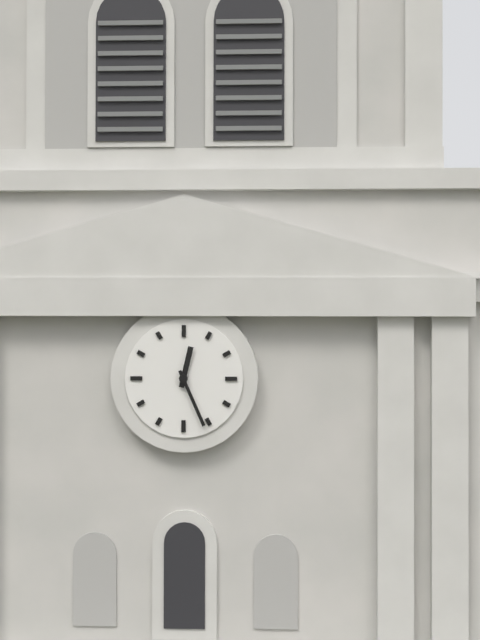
12:26
